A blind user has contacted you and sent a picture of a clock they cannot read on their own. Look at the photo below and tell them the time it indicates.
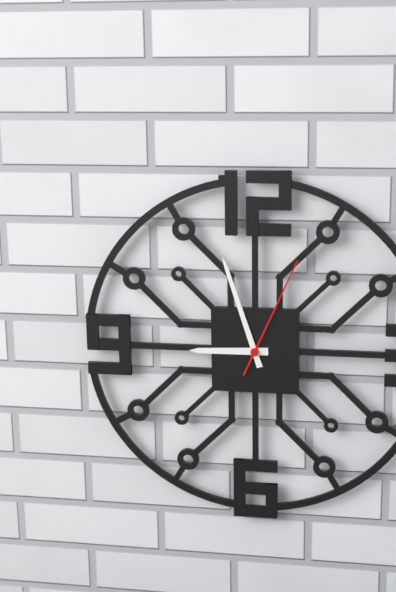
8:57:04
